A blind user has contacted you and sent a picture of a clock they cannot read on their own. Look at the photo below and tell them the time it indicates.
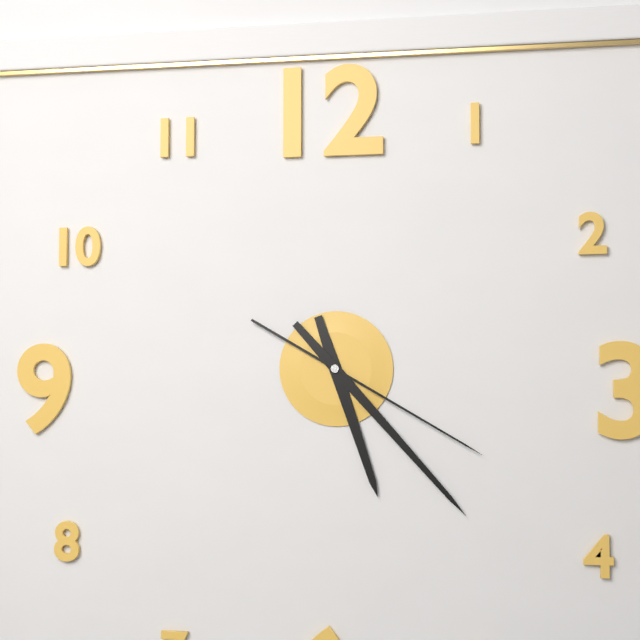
5:23:20
